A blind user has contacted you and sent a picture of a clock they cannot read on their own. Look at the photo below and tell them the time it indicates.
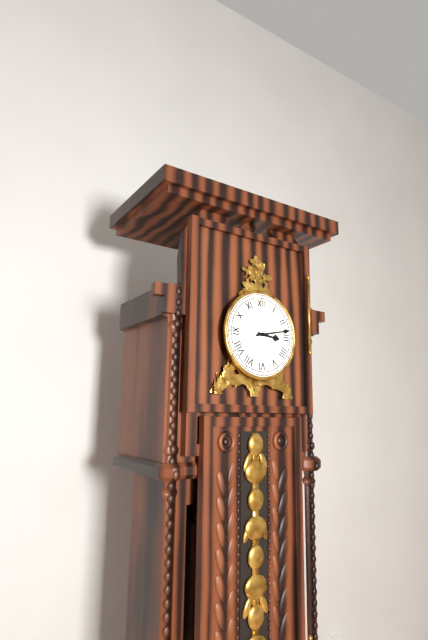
3:13
